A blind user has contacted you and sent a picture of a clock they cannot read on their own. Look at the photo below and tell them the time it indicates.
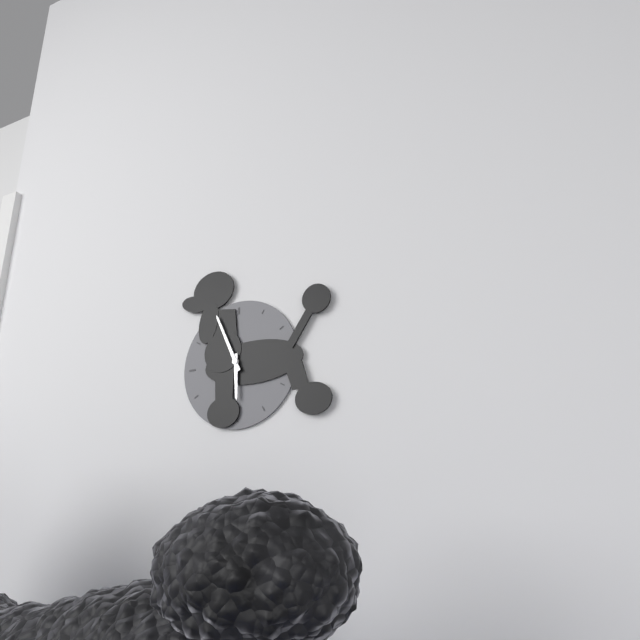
5:56
